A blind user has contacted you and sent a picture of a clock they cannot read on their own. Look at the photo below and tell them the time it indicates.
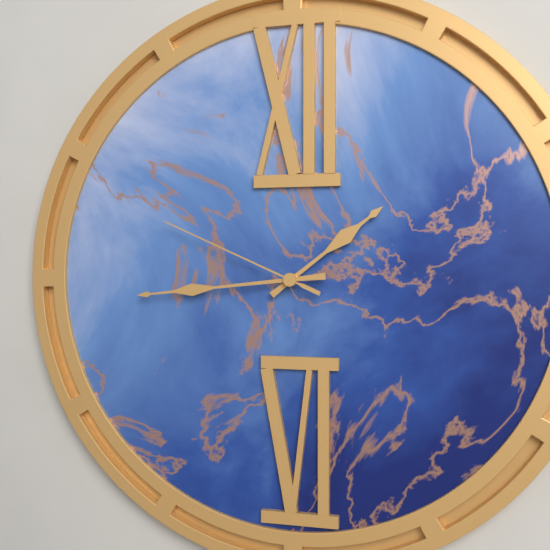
1:44:49
